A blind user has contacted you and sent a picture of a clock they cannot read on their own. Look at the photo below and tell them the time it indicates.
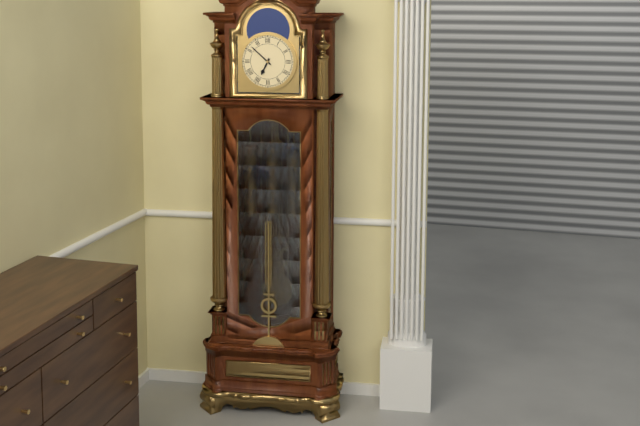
6:52
